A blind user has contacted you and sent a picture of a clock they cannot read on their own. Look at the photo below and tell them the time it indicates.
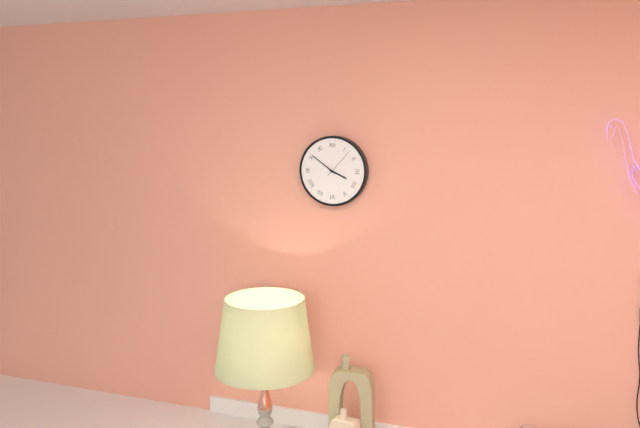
3:51
